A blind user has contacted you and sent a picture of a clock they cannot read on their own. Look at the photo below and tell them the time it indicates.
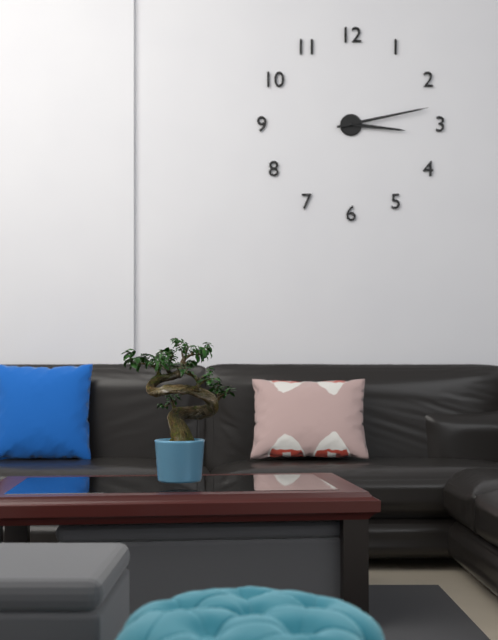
3:13
